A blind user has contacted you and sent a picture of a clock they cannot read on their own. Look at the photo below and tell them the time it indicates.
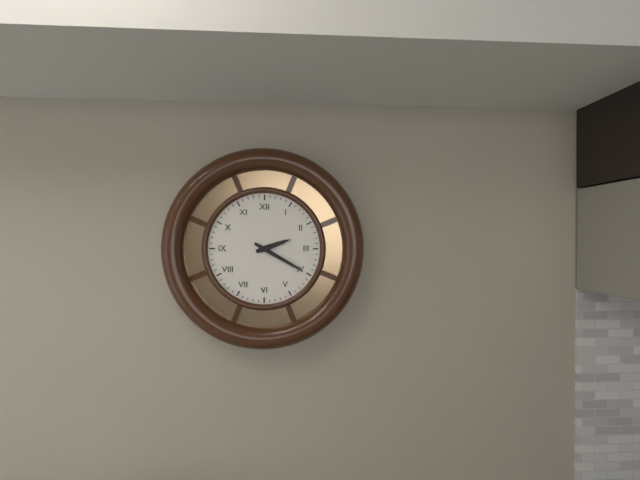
2:20
